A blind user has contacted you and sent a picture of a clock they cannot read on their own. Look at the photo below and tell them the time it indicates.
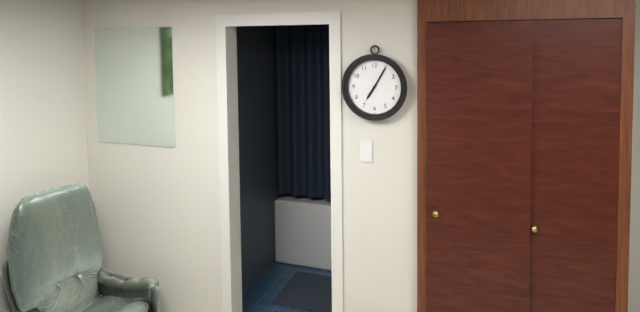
7:05
